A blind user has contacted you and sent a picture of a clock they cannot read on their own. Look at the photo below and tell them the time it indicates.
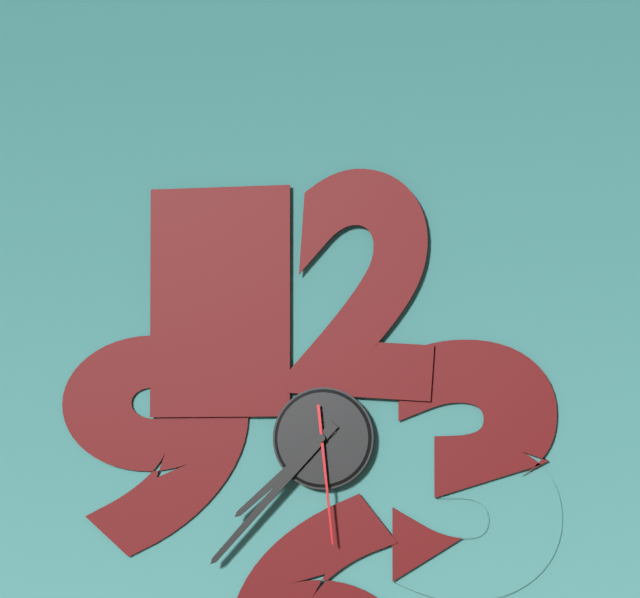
7:37:29
